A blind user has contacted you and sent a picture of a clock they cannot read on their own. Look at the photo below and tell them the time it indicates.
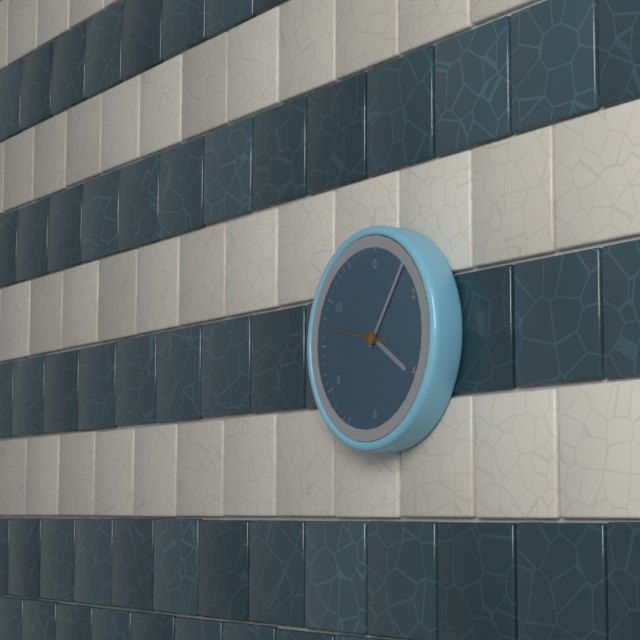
4:06:47
